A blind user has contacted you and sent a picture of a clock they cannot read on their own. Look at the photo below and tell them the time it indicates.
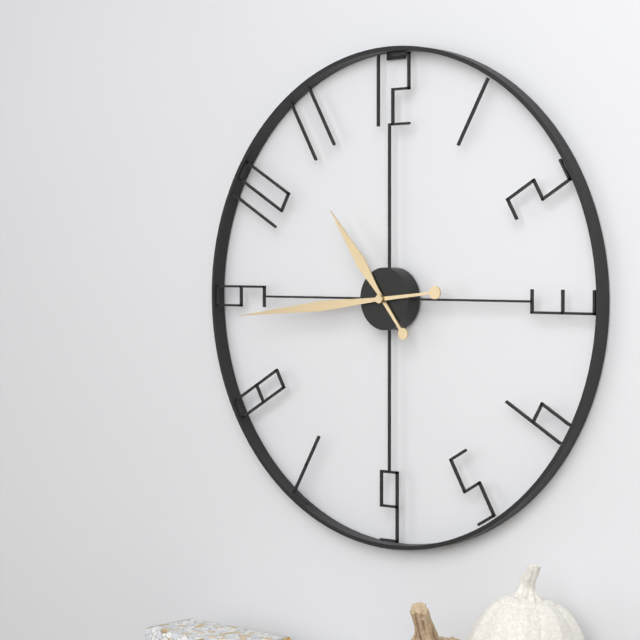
10:44
